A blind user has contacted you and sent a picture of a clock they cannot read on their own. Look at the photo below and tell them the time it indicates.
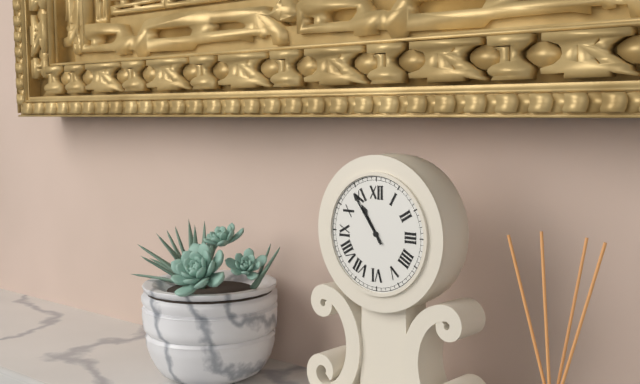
10:54
